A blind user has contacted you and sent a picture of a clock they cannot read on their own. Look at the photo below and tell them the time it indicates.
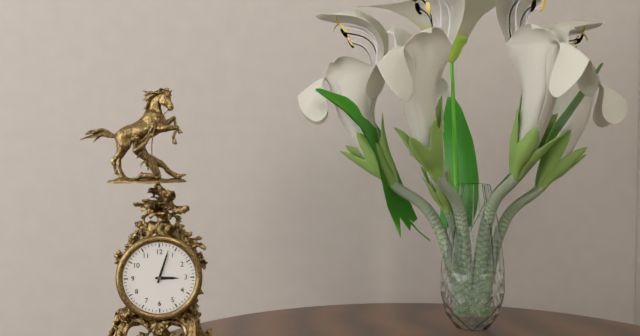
3:03
